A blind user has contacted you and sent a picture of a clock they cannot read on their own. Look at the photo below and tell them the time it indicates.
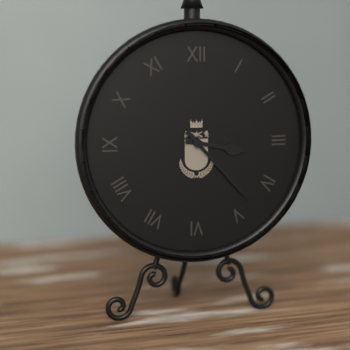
3:23
